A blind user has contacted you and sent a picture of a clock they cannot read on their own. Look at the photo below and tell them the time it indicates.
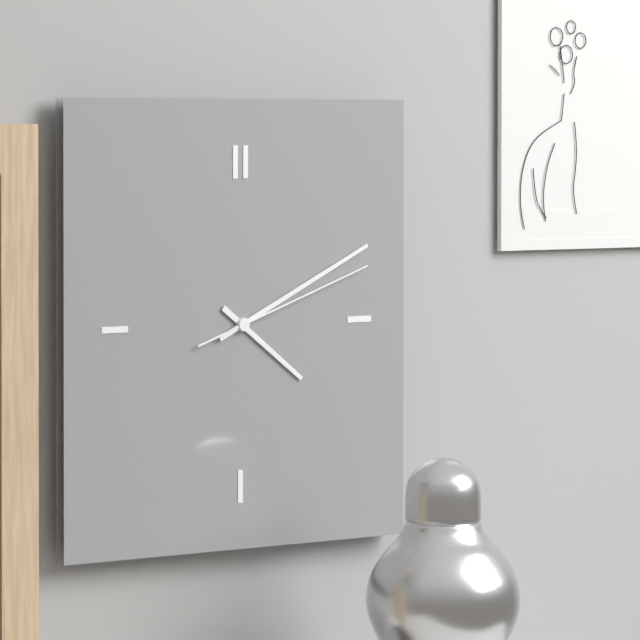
4:11:12
